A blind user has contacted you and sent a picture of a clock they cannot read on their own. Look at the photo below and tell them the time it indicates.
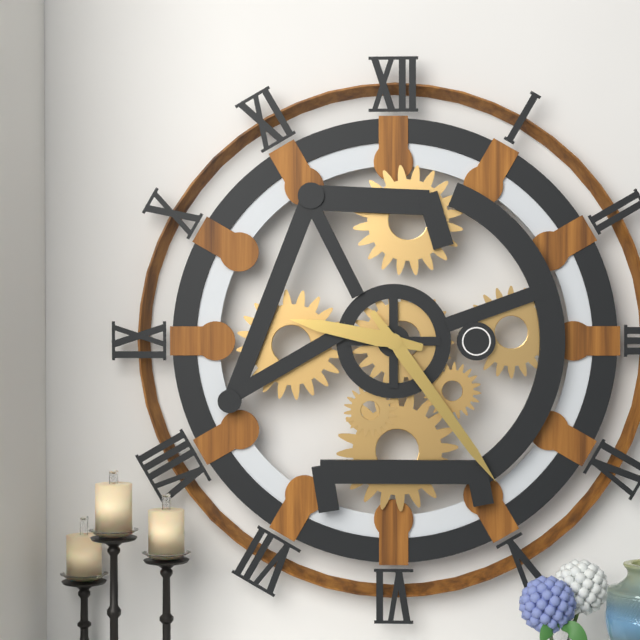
9:24
